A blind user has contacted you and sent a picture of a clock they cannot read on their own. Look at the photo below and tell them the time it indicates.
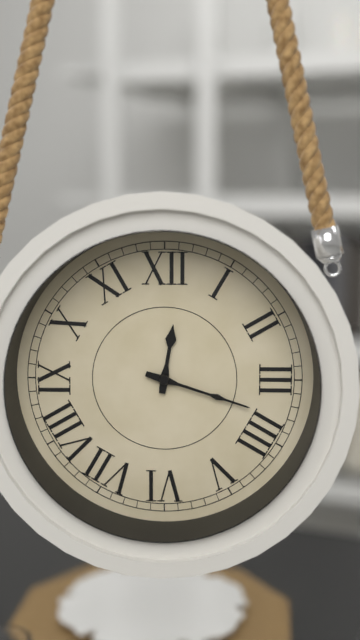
12:18
